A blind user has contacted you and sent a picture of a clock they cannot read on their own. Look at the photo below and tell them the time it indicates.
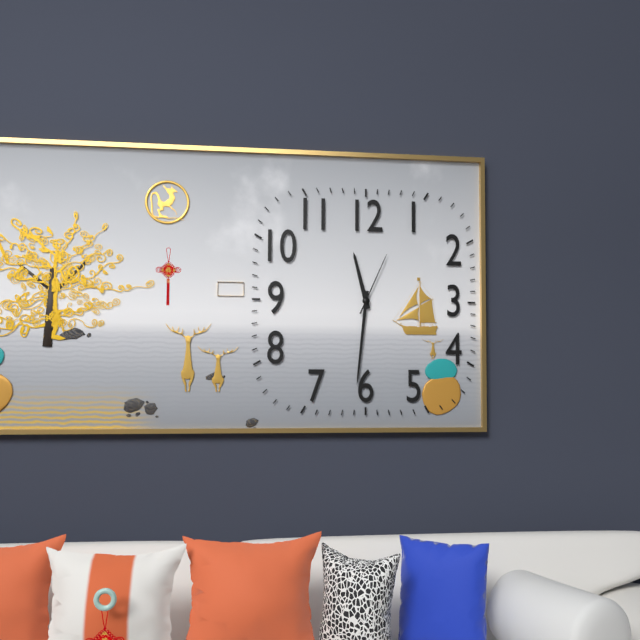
11:31:04
